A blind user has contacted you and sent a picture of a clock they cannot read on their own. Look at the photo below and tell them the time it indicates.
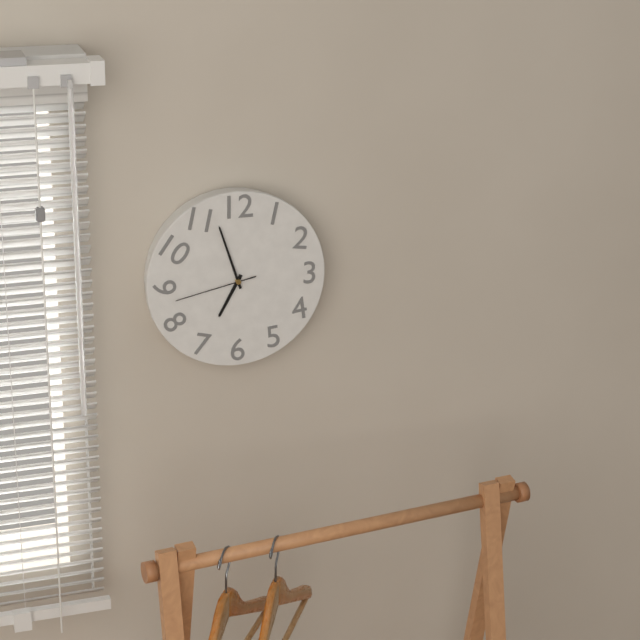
6:57:43
